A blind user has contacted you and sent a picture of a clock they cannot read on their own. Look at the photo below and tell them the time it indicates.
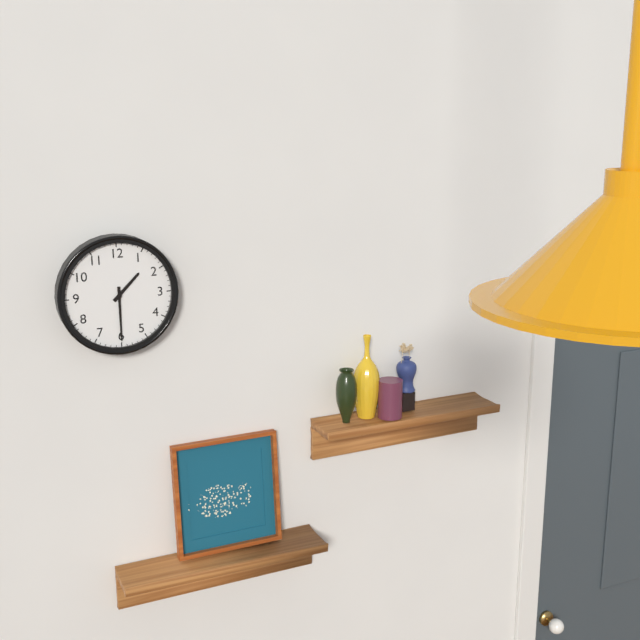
1:30
